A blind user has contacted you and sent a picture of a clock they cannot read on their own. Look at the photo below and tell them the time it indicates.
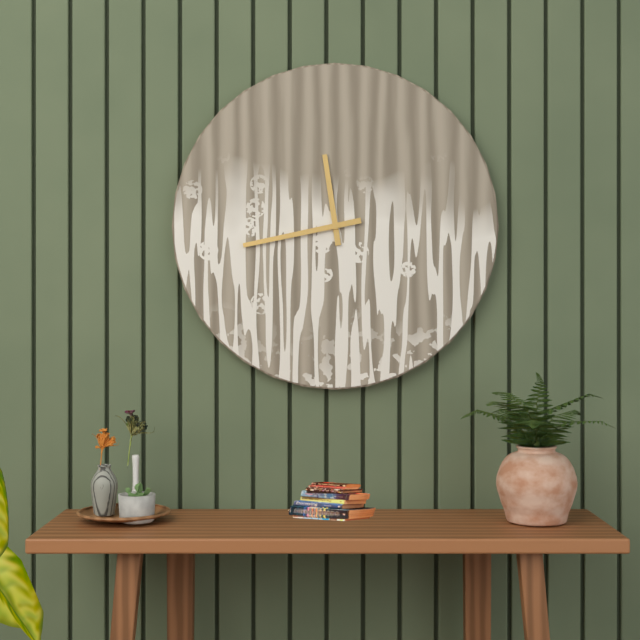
11:43
